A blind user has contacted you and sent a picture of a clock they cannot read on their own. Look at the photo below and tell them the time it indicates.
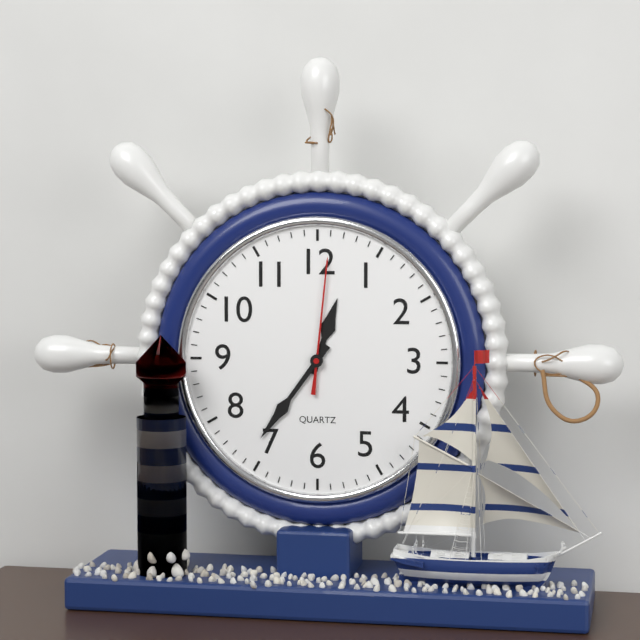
12:36:01
